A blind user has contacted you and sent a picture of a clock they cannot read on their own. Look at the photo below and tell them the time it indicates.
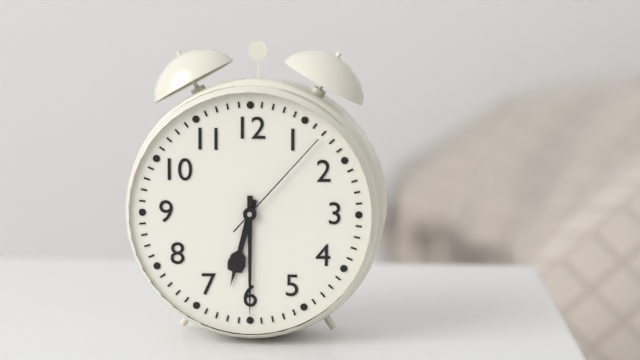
6:30:07
